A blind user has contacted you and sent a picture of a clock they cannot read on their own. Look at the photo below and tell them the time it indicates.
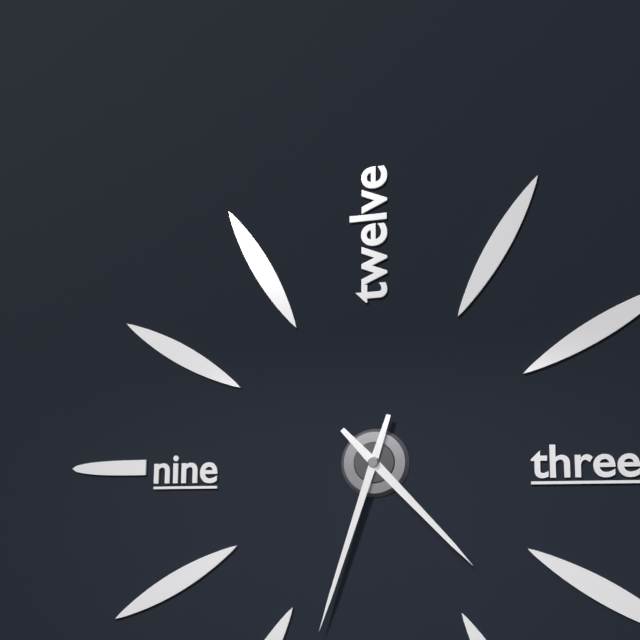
4:33
